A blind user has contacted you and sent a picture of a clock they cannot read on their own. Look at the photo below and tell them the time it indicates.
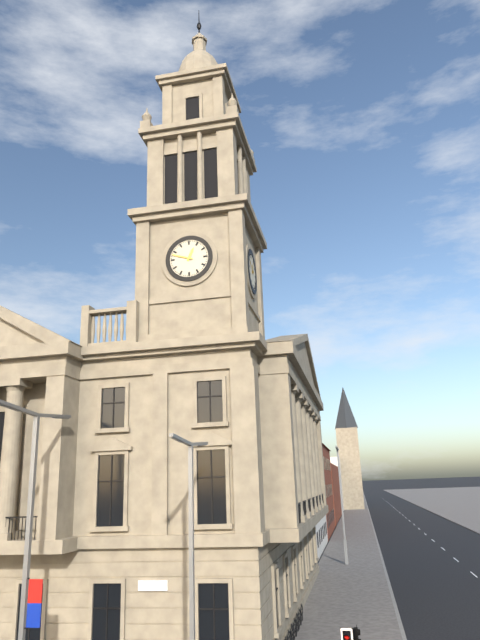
12:48
